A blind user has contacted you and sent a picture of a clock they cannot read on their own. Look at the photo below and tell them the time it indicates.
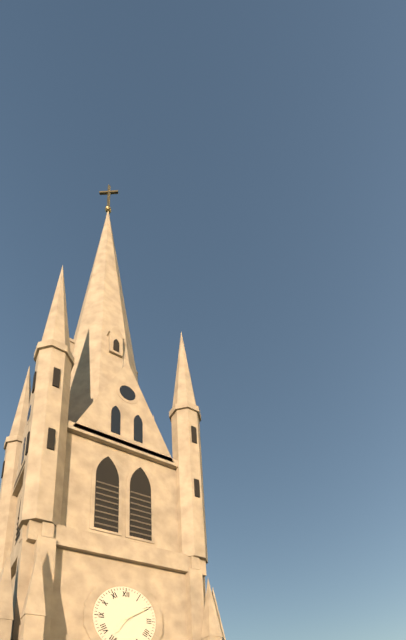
7:10
